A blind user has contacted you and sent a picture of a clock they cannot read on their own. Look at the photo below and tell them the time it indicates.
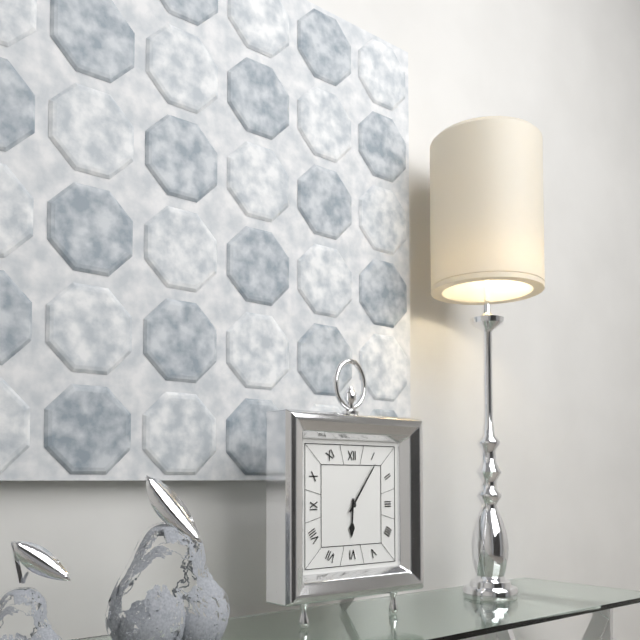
6:06
